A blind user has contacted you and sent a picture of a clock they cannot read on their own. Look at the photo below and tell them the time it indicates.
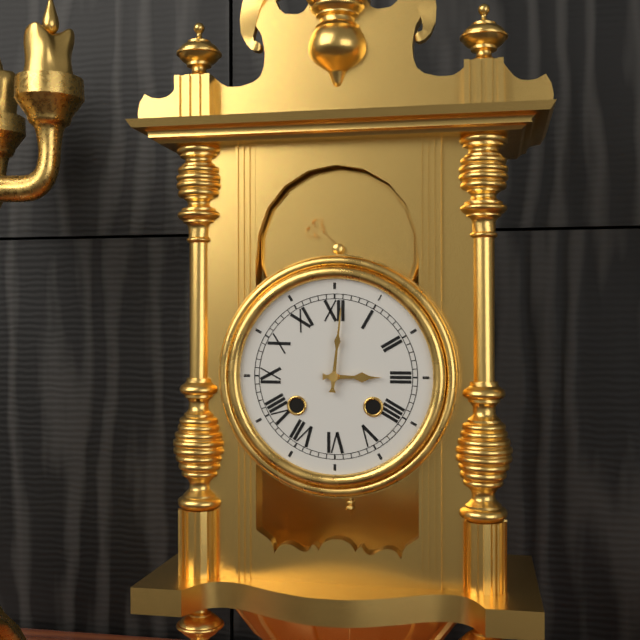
3:01
